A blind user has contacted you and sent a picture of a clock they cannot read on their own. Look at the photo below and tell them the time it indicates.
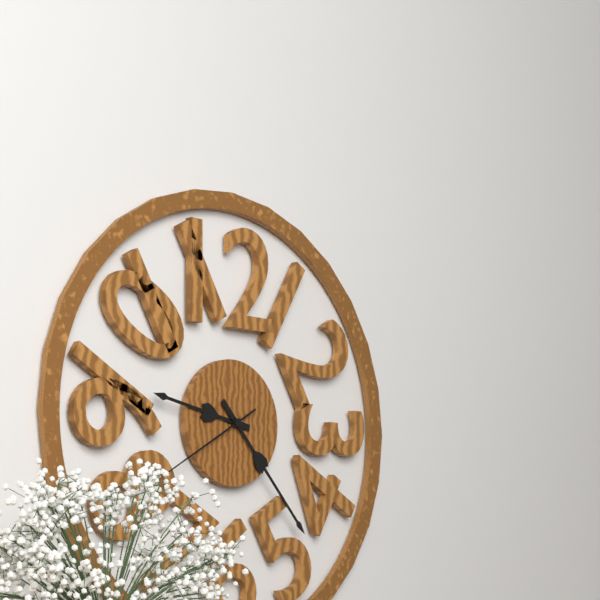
9:23:40
